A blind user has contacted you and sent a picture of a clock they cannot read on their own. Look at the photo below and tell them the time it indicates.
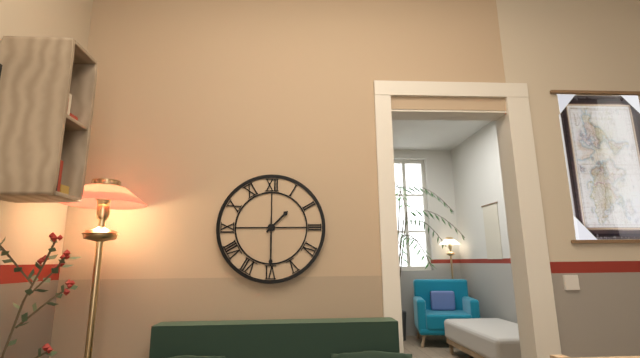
1:30
